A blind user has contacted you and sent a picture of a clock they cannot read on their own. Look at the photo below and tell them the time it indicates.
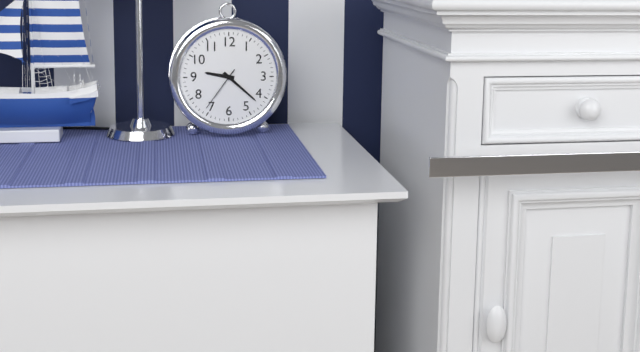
9:22
